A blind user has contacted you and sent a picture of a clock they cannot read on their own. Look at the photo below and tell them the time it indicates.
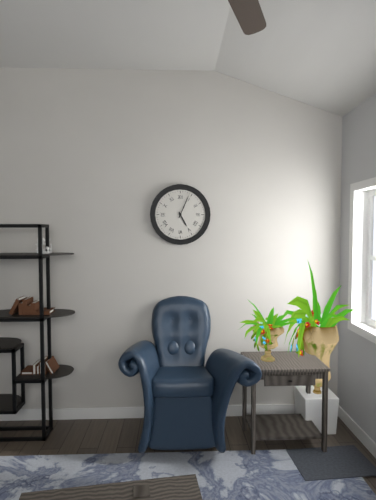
5:04
